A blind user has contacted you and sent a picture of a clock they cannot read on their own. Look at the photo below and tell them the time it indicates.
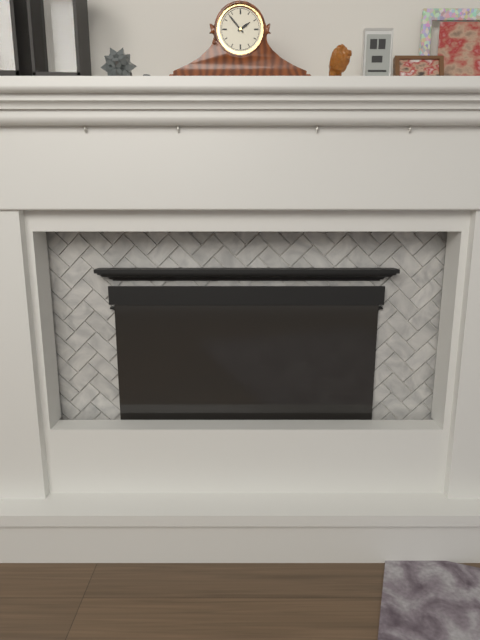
1:53
